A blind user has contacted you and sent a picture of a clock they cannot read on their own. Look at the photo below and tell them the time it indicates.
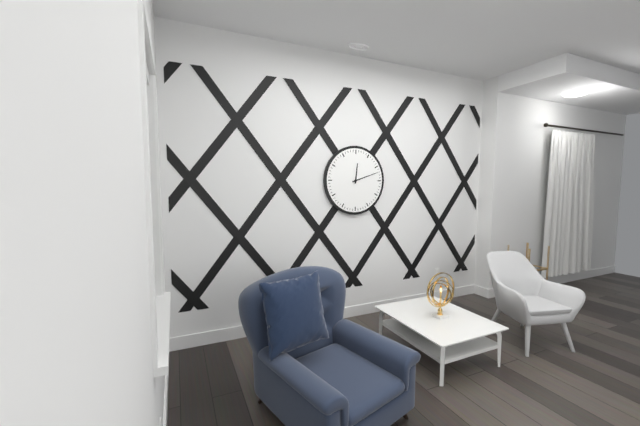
12:12
